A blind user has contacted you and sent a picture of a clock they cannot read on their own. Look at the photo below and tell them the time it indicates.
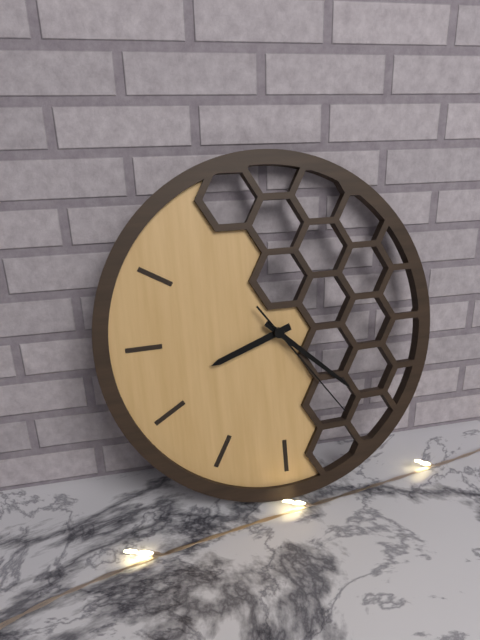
8:22:24
